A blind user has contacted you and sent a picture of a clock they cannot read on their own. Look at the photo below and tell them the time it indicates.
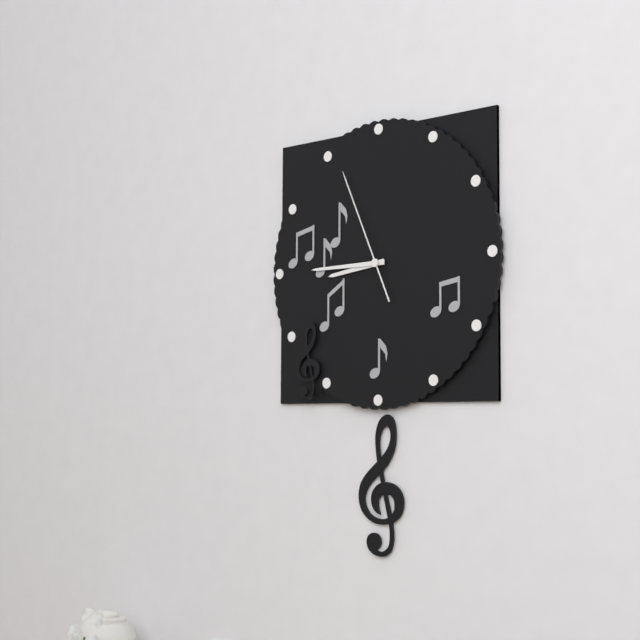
8:45:56
